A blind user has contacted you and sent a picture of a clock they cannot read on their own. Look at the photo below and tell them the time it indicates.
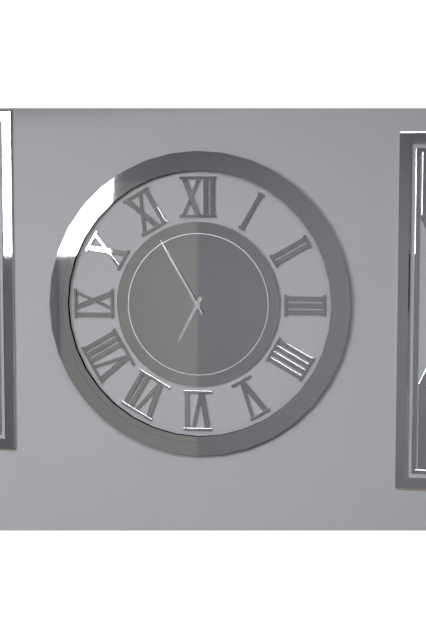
6:55
